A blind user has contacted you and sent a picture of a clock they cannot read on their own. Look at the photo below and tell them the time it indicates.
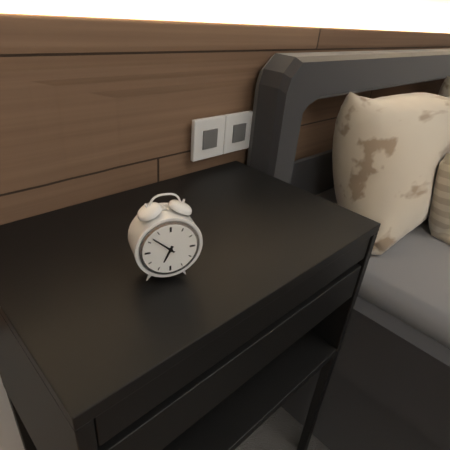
6:52
